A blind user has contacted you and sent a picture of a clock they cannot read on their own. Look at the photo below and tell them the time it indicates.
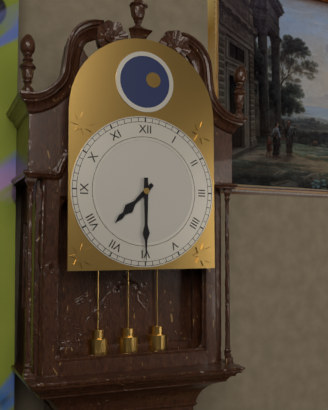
7:30
